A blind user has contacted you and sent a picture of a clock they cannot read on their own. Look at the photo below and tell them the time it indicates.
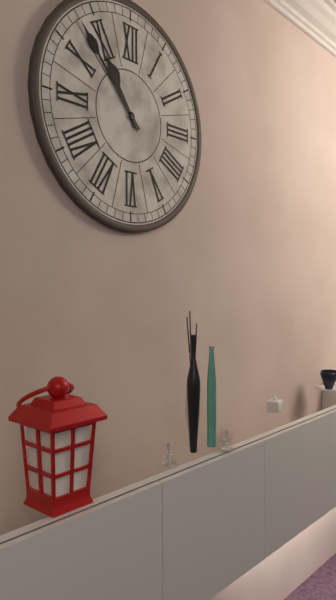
10:53
